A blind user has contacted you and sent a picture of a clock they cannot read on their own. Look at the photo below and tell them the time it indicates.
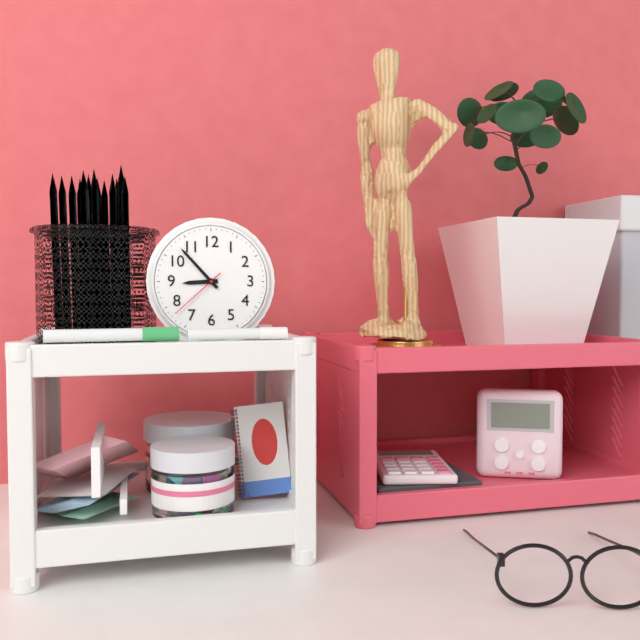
8:53:38
